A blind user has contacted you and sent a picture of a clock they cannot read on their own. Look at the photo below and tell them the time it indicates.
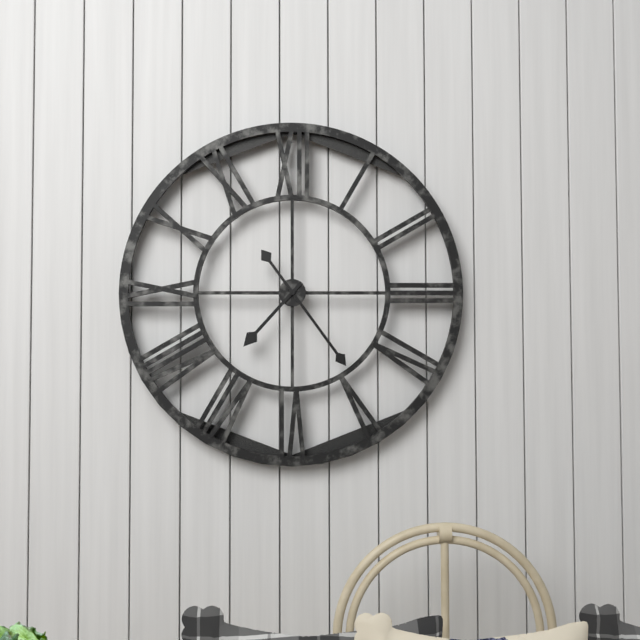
7:24
